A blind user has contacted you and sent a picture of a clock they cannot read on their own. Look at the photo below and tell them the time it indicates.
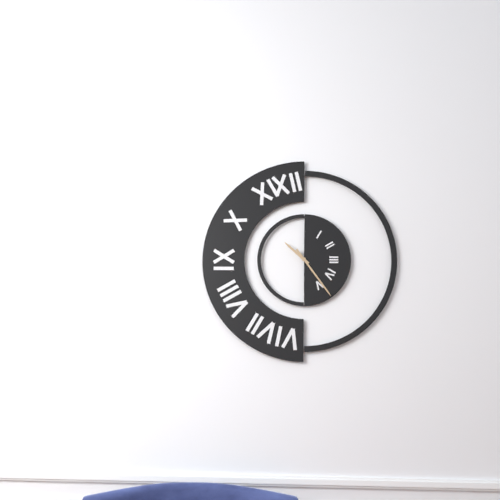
10:24
